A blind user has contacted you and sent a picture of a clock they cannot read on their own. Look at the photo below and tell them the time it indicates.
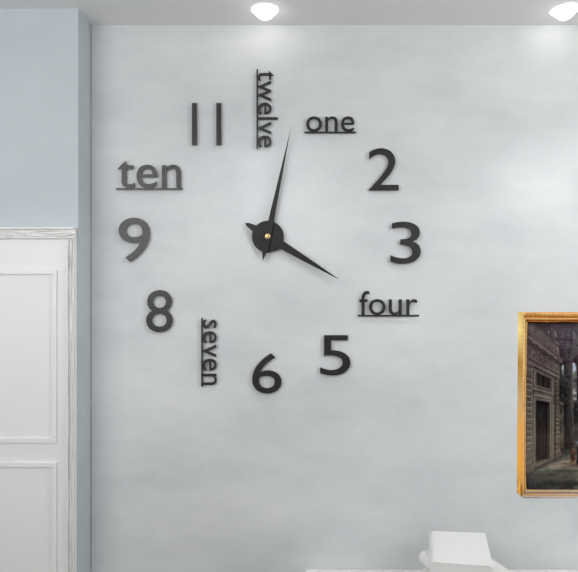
4:02
